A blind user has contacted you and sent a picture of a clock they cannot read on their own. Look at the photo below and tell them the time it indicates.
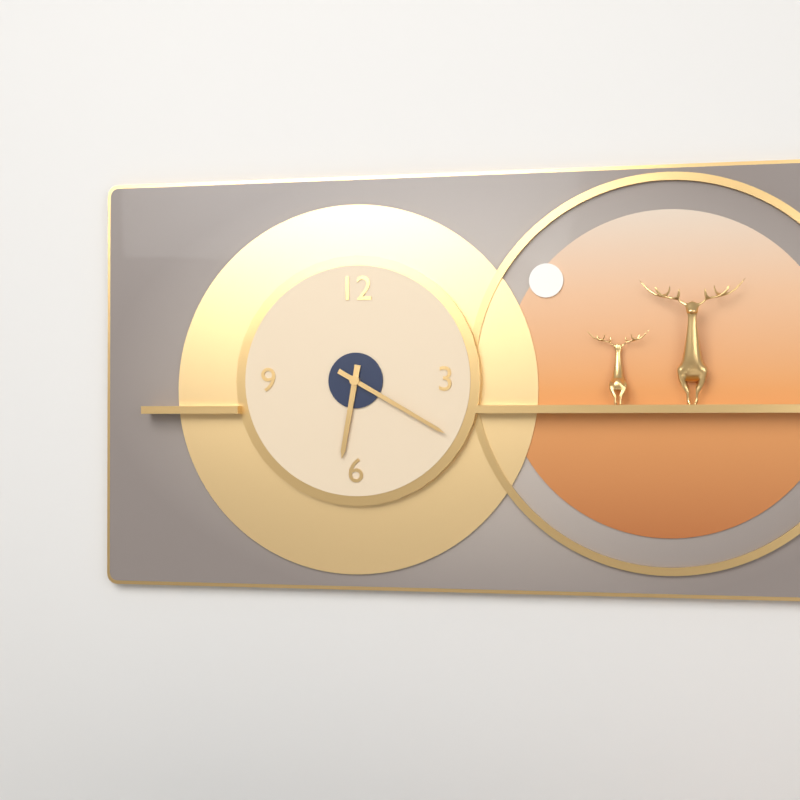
6:20
